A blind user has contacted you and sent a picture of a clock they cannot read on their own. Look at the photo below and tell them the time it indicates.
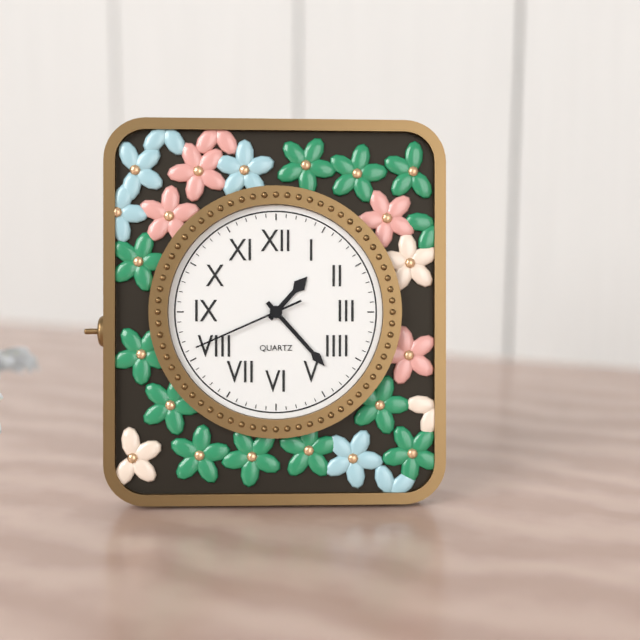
1:23:41
